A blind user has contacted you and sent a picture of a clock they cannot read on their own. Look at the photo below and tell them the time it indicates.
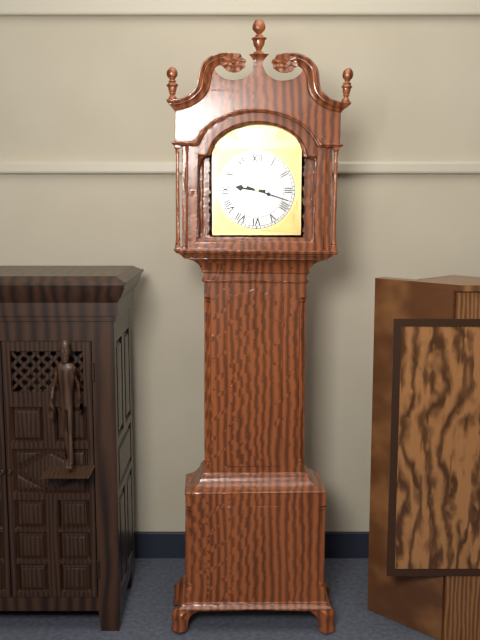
9:18
